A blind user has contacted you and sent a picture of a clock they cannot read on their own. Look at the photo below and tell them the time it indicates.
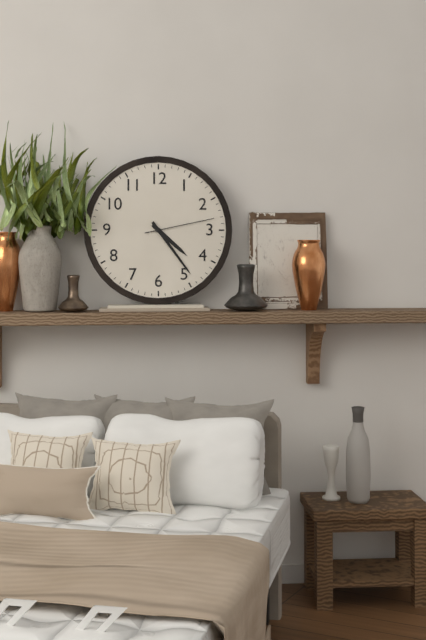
4:24:13
